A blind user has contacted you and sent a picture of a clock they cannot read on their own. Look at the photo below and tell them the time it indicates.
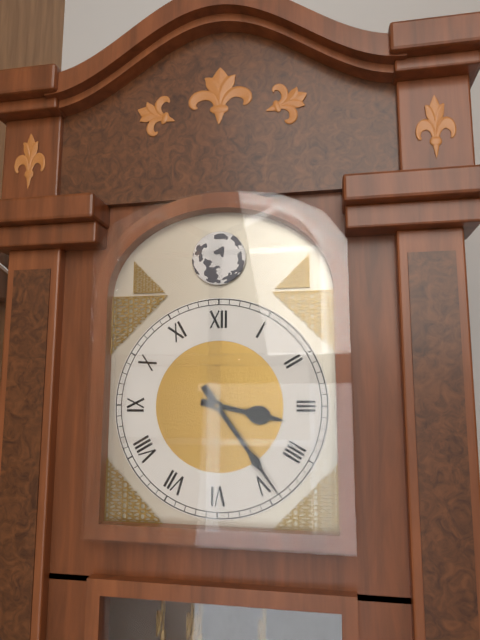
3:24
